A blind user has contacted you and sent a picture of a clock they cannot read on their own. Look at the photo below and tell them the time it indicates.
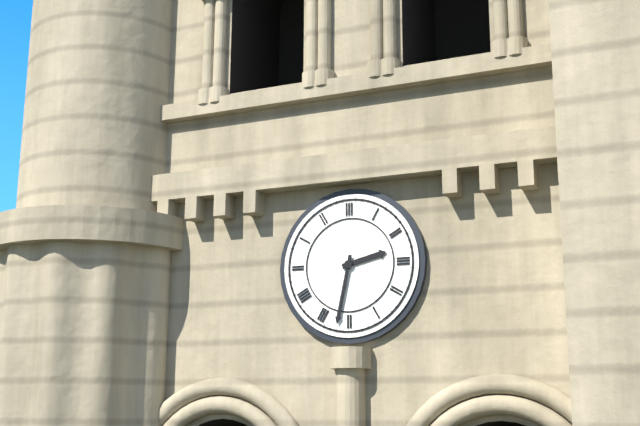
2:32
